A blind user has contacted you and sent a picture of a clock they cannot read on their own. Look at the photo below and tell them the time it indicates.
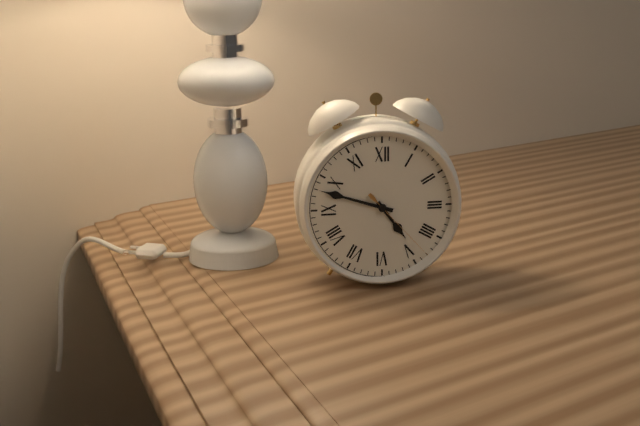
4:48:23
